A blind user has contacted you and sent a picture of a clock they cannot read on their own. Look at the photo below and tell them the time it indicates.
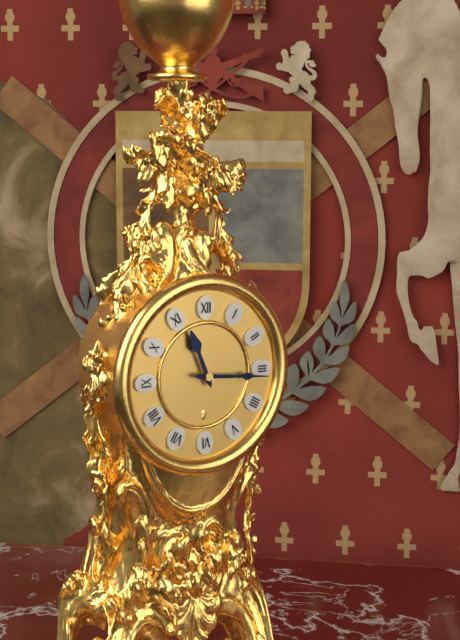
11:16
